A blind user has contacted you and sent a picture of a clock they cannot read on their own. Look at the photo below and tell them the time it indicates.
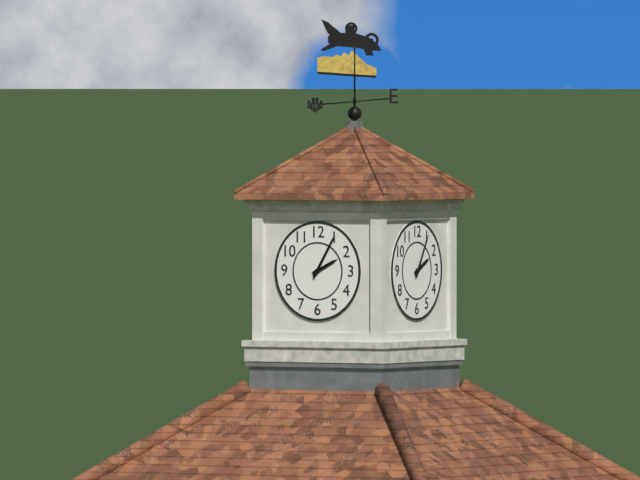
2:05
